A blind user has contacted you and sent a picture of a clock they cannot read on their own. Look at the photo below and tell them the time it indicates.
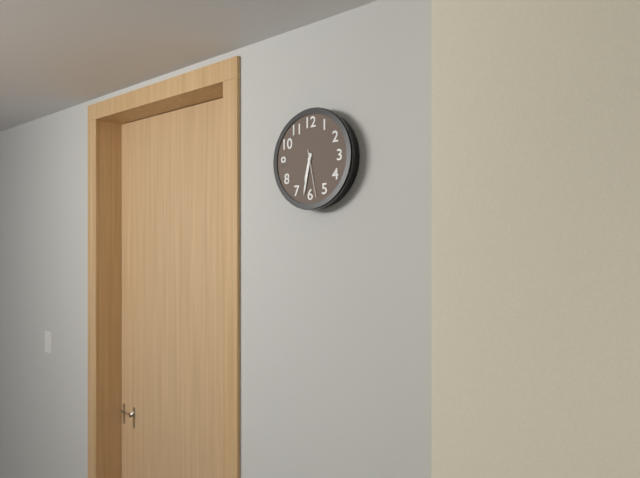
6:32
